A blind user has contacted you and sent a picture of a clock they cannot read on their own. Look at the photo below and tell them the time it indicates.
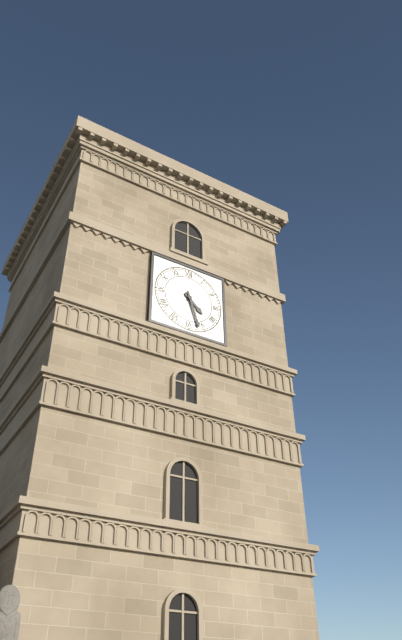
4:27
